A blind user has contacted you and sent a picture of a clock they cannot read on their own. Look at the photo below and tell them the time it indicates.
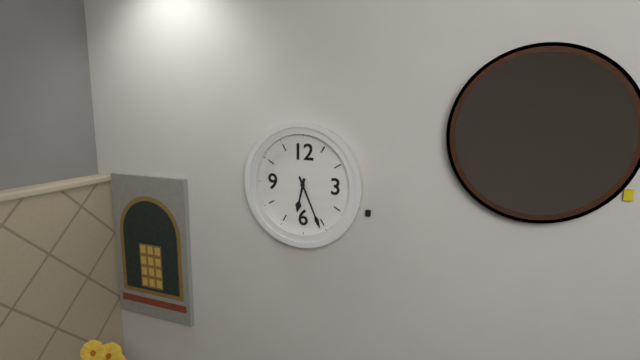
6:26
